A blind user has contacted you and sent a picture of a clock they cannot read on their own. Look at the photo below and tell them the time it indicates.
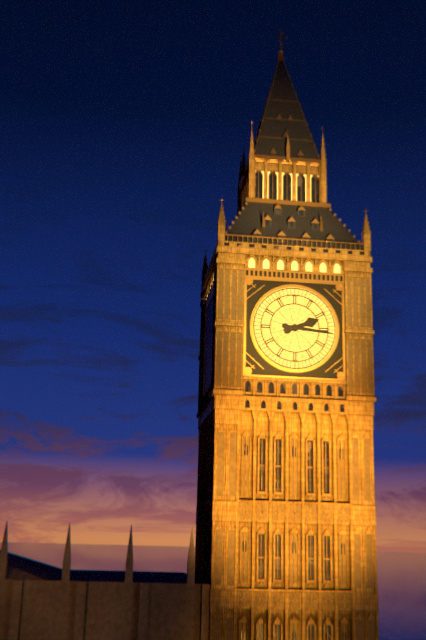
2:16
